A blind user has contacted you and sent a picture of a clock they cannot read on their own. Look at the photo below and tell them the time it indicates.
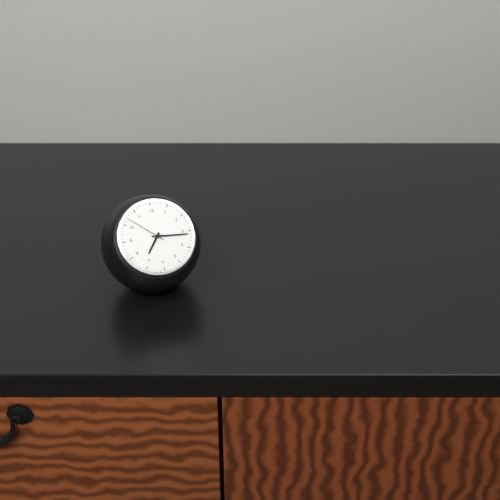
7:16
